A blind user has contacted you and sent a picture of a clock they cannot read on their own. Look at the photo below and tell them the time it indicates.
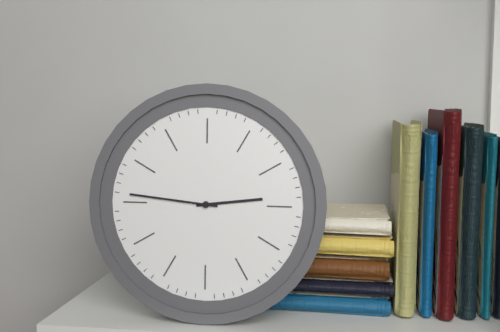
2:46
